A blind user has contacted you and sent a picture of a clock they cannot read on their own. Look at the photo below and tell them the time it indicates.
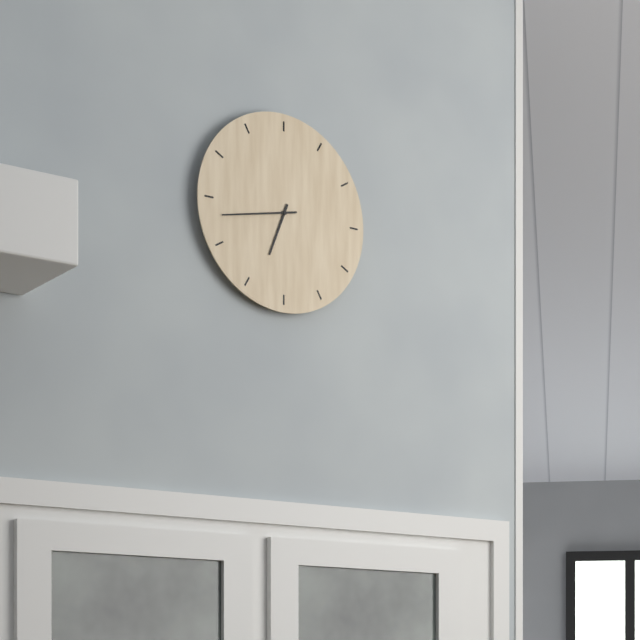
6:43
